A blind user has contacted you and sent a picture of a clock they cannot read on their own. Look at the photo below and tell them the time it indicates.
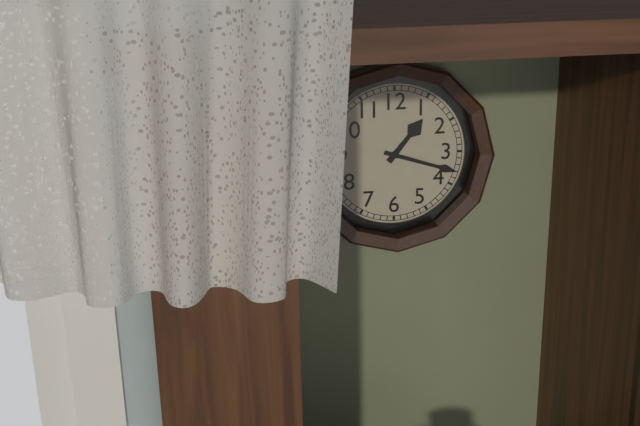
1:18
